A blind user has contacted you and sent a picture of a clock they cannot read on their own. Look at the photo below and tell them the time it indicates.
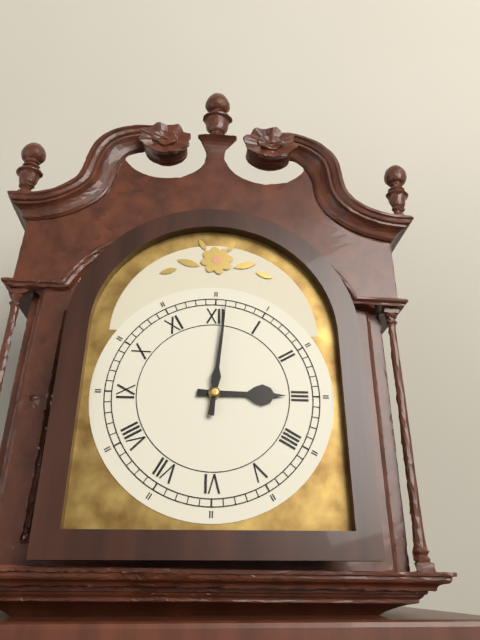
3:01
